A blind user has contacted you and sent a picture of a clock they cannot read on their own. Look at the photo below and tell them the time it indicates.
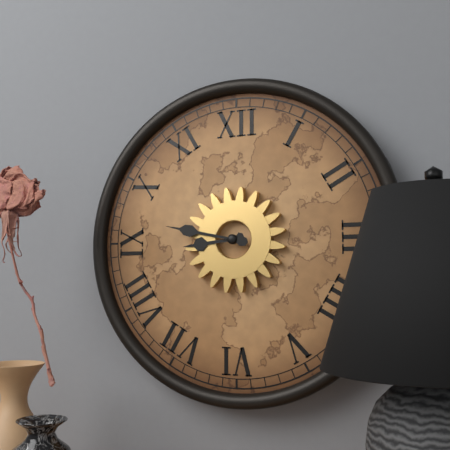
8:47
